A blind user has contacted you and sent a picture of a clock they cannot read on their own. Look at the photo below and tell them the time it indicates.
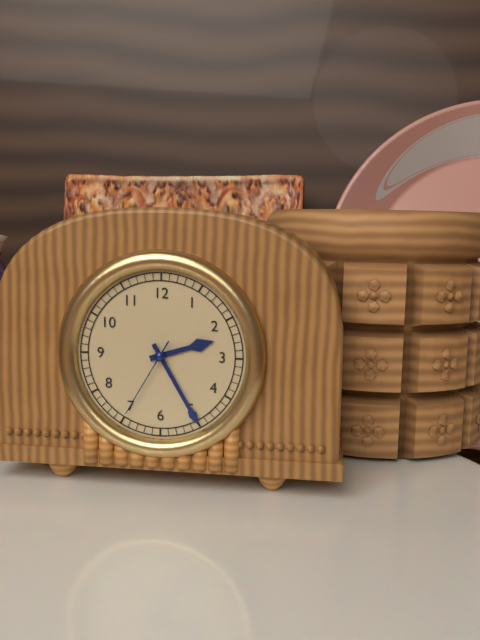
2:25:35
